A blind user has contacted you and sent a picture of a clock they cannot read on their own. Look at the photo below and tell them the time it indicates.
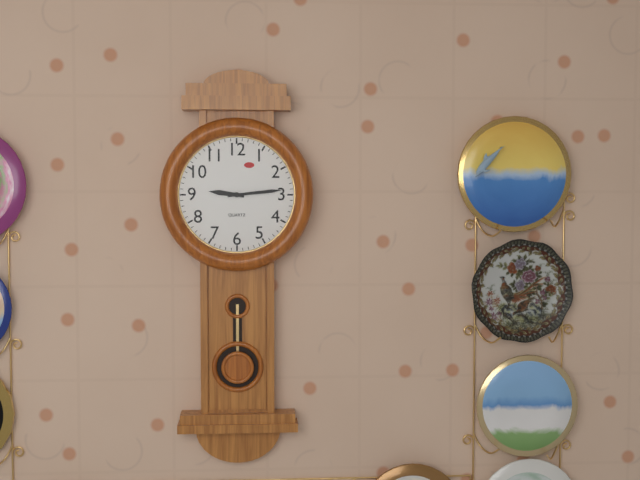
9:14
